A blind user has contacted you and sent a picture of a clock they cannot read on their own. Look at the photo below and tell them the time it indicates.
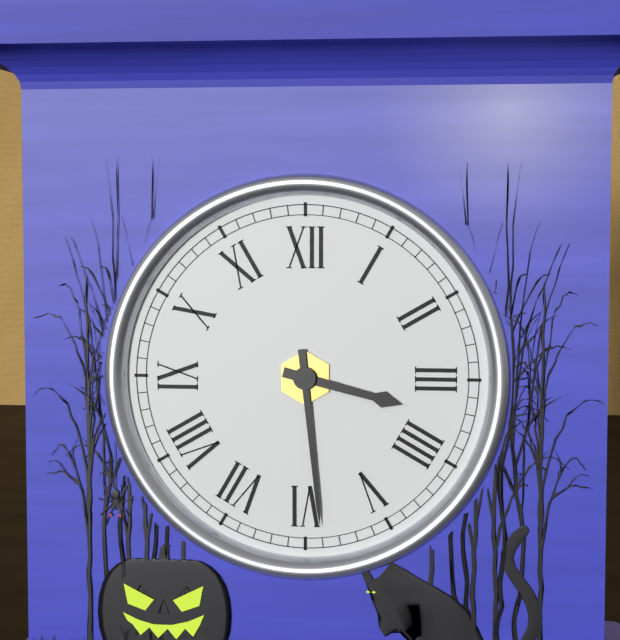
3:29
